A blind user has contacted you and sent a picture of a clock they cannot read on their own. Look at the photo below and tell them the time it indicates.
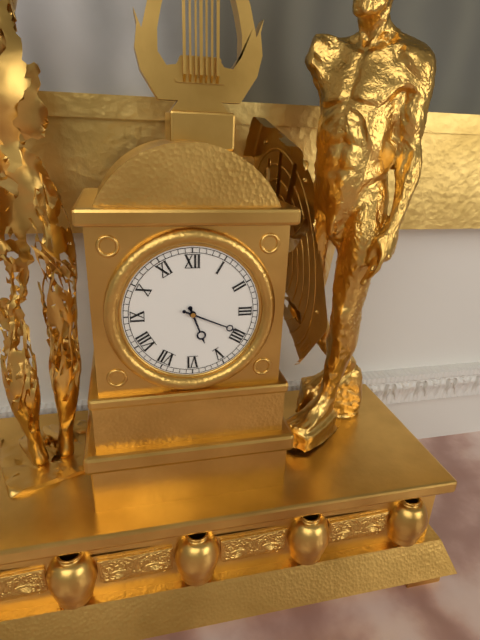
5:19
